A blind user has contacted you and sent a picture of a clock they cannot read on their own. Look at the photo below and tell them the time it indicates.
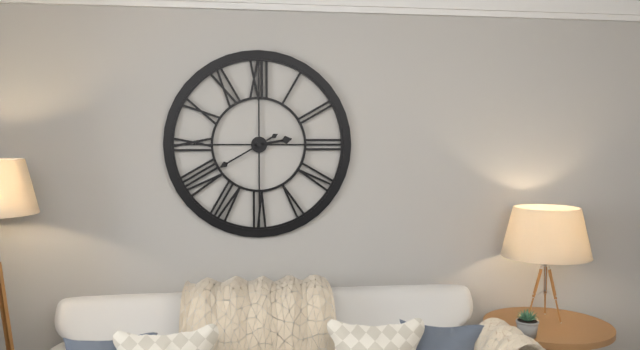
2:40
